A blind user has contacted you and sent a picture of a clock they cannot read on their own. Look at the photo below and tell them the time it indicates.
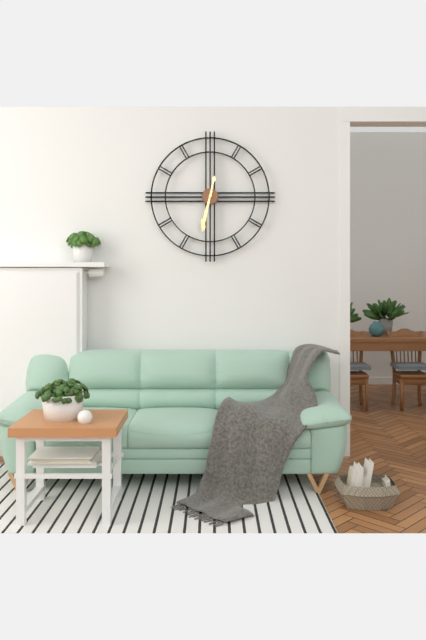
6:32
